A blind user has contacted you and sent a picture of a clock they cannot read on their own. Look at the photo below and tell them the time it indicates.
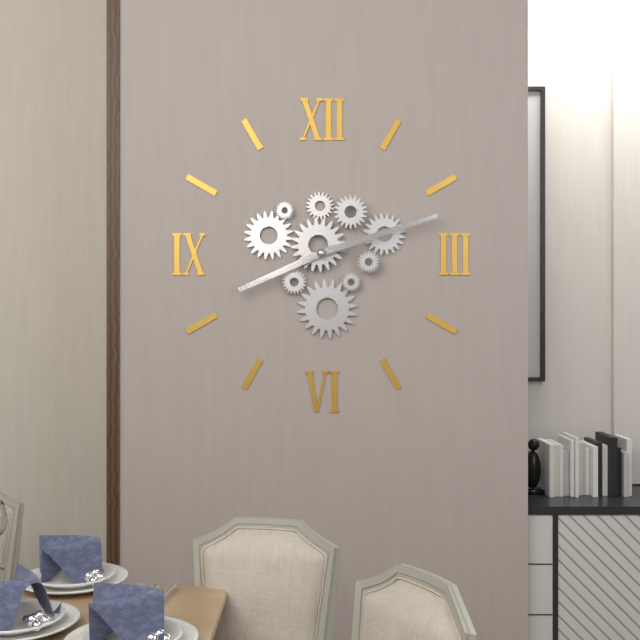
8:12
